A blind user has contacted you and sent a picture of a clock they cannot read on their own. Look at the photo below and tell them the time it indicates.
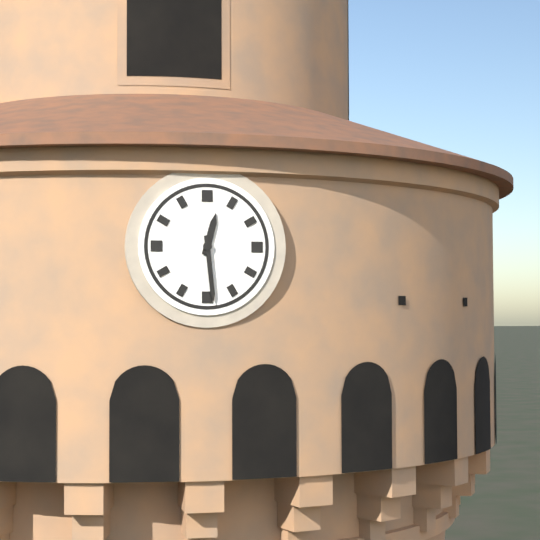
12:29
